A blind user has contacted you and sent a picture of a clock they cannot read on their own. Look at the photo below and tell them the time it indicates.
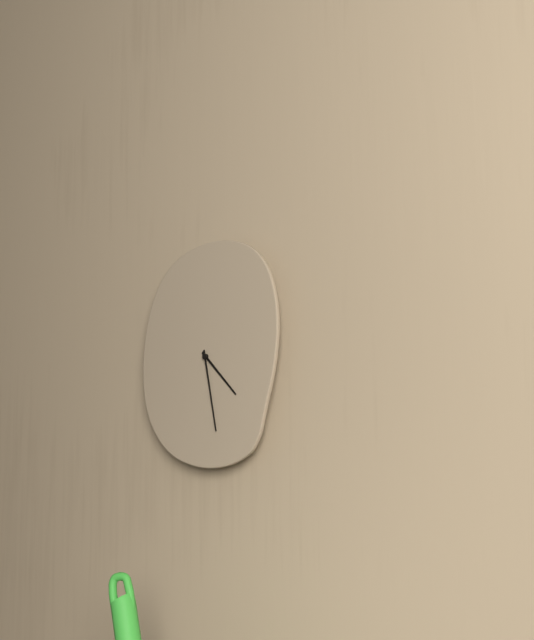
4:28
